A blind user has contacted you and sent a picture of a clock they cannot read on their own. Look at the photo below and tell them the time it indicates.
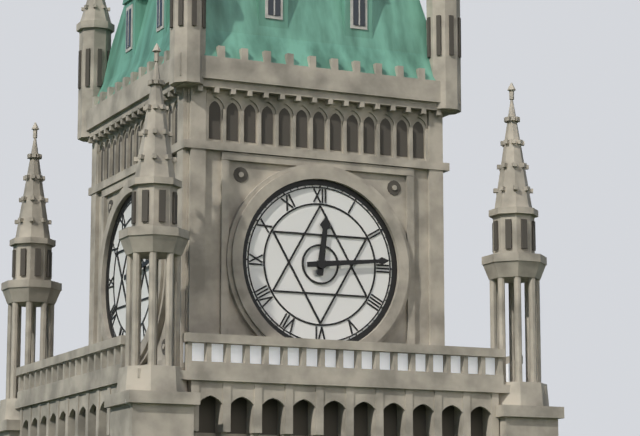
12:14
